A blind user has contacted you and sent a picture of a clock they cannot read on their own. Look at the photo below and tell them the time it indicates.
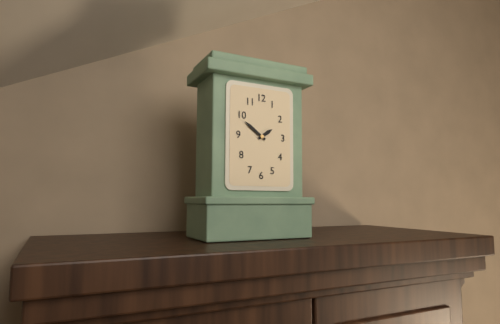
1:51
